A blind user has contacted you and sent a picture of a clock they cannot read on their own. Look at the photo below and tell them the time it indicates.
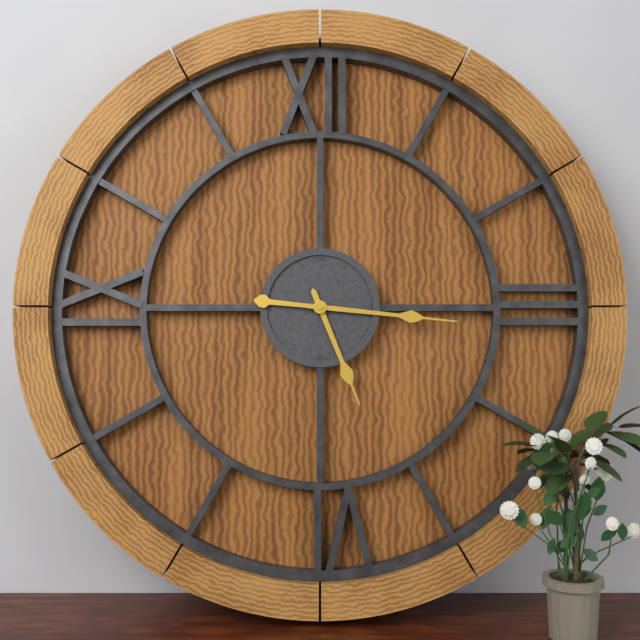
5:16
